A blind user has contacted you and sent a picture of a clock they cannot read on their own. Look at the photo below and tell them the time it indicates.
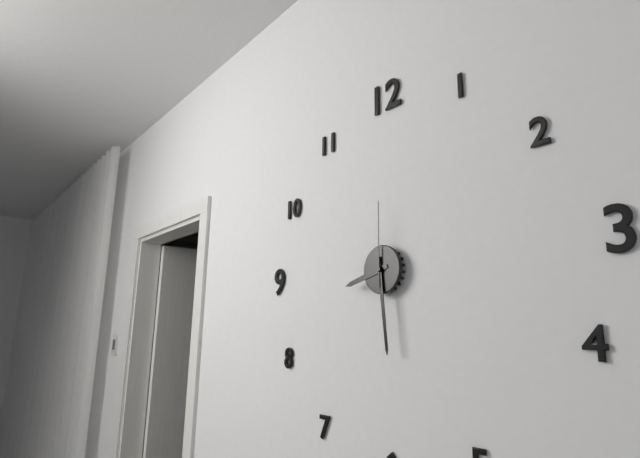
8:29:00
